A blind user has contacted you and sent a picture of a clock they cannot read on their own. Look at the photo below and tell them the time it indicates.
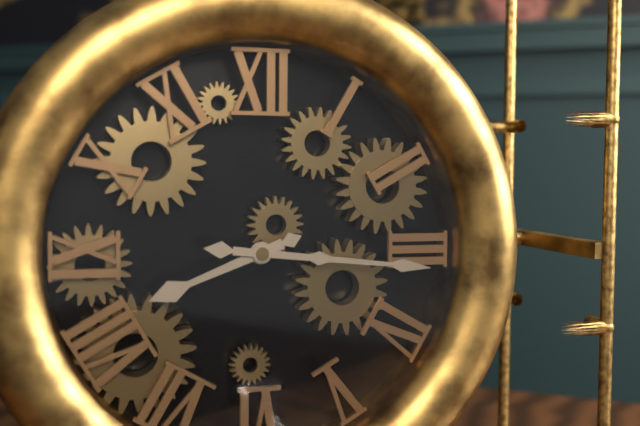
8:16
